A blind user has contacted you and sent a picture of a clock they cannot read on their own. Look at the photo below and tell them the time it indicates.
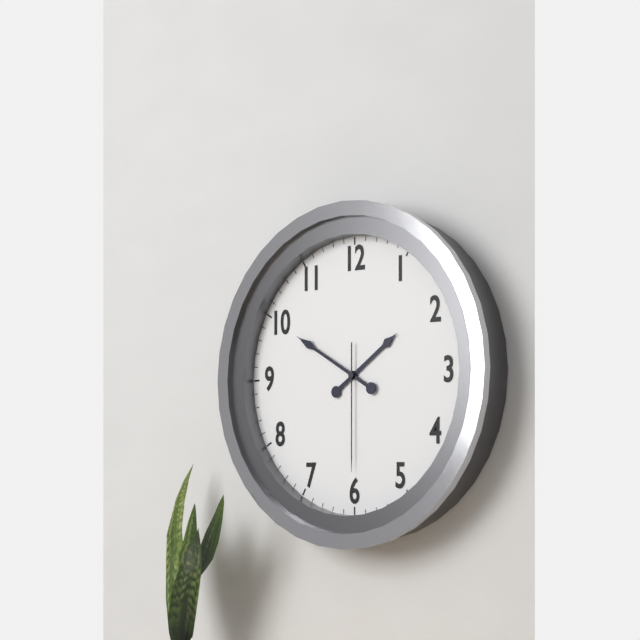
1:50:30
